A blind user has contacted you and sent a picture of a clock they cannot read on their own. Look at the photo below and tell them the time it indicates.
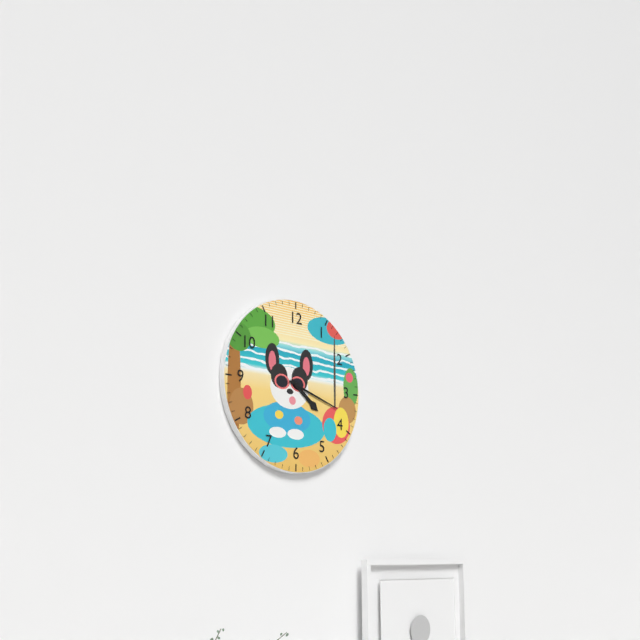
4:18
